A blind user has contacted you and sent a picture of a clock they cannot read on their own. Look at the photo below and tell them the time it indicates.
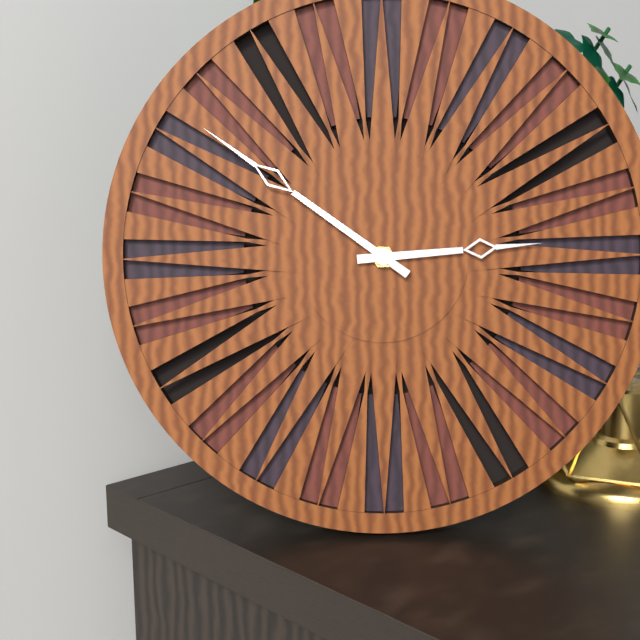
2:51
